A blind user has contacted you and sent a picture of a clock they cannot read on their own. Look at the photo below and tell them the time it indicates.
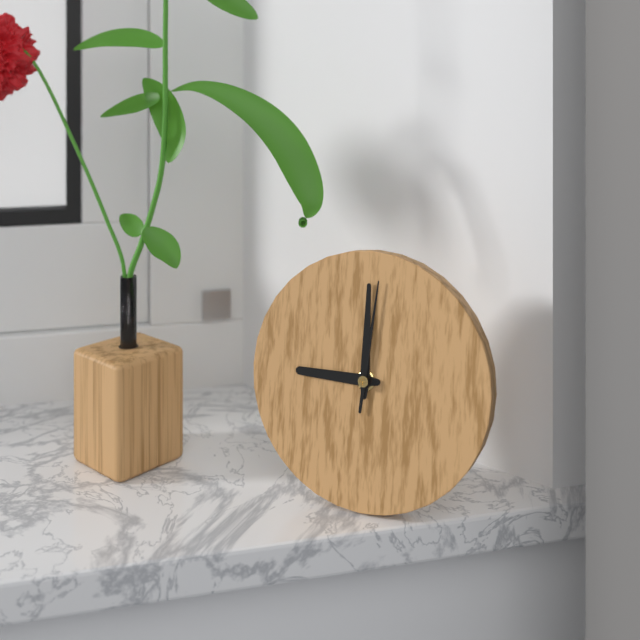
9:00:01
